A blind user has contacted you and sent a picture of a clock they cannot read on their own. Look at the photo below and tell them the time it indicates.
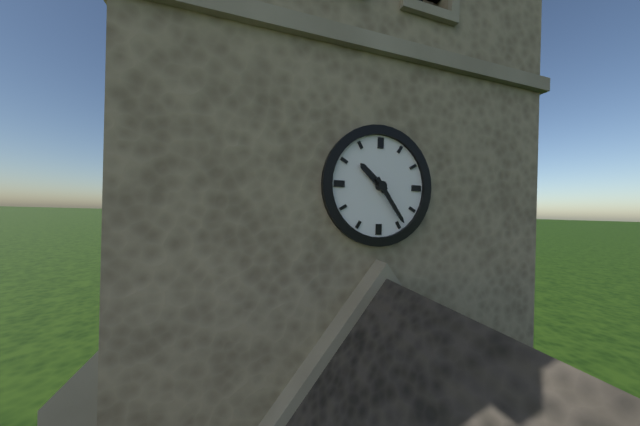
10:24
